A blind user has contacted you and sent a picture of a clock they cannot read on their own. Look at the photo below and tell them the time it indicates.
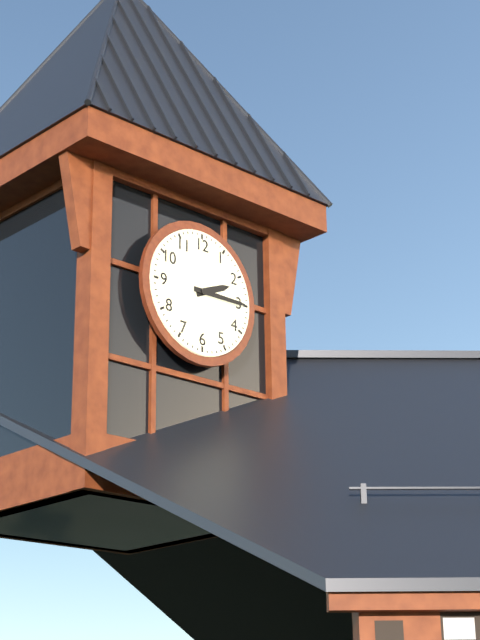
2:15
